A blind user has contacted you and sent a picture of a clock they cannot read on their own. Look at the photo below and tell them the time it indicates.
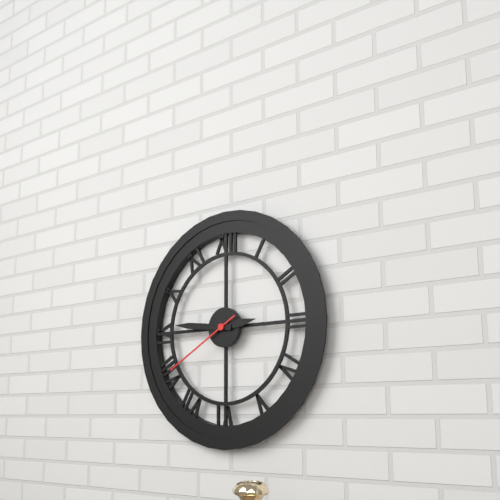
2:46:40
